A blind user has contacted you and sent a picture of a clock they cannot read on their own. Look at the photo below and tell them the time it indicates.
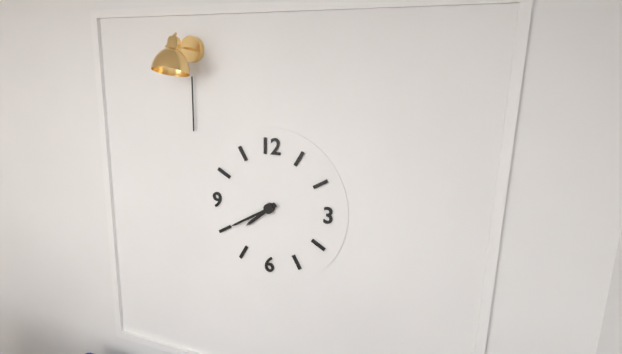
7:40
